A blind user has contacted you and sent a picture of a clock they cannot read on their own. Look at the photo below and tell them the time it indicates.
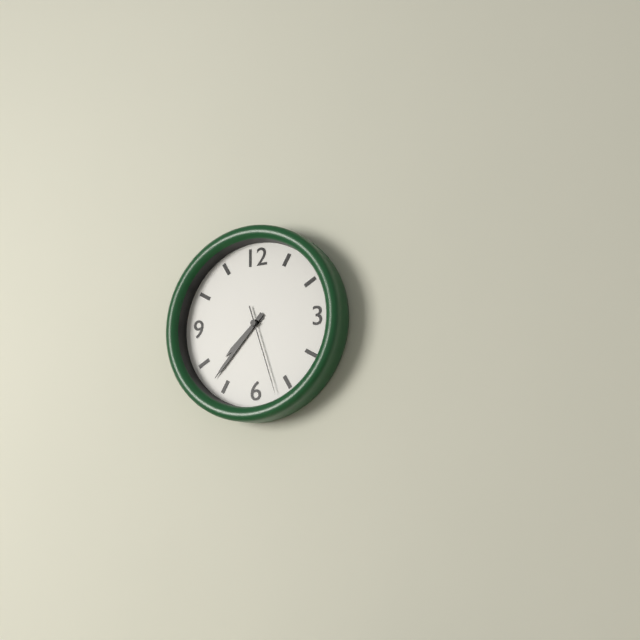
7:37:27
